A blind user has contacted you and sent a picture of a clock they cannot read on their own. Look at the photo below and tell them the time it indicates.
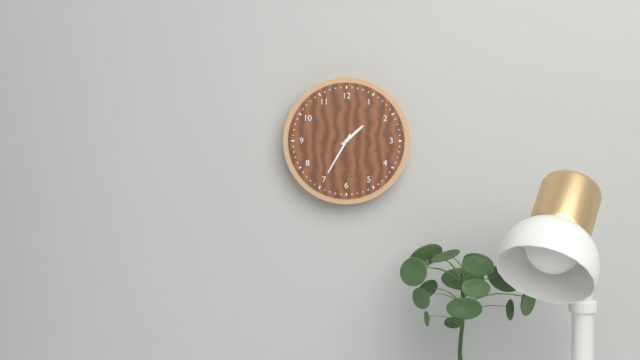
1:35
